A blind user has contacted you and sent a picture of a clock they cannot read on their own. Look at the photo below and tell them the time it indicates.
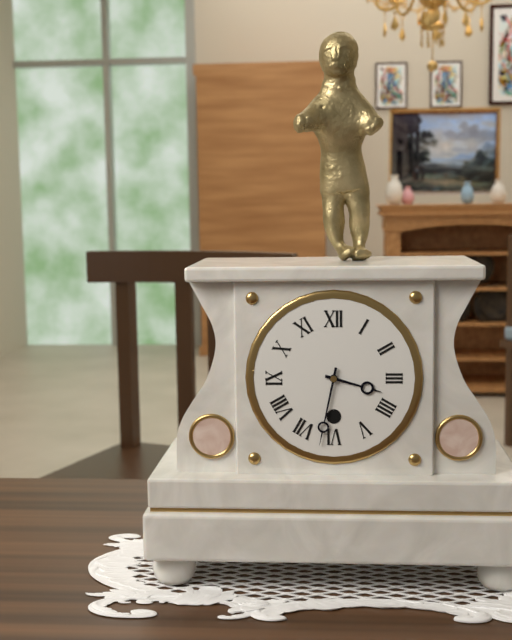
3:32
